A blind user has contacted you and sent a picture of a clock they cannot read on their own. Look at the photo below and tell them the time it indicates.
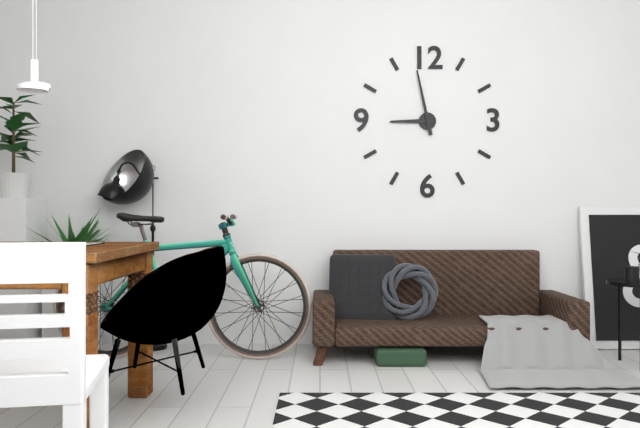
8:58
